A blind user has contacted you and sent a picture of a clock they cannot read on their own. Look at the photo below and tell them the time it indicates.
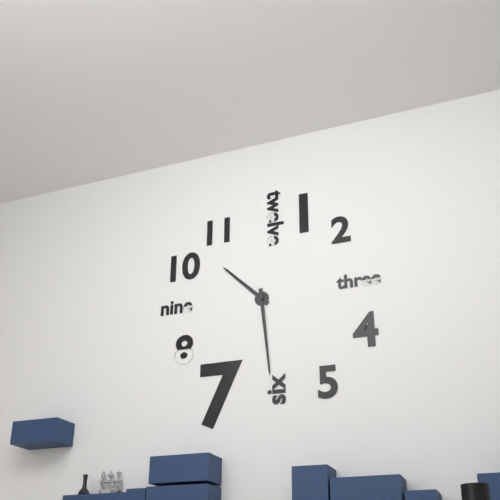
10:29
